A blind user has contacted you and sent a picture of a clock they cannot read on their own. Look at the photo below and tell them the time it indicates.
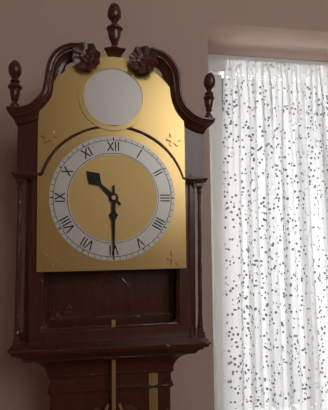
10:30
